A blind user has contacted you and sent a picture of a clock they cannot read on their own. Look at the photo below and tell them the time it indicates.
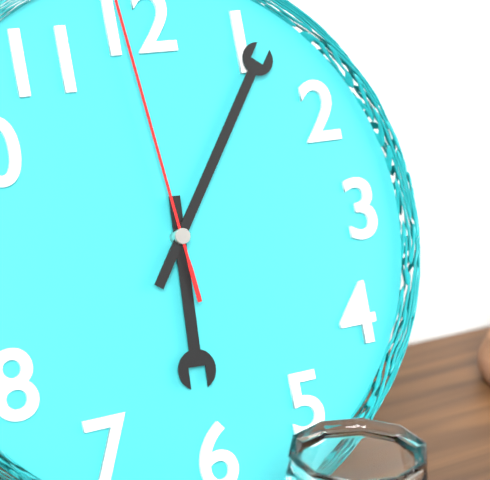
6:06
